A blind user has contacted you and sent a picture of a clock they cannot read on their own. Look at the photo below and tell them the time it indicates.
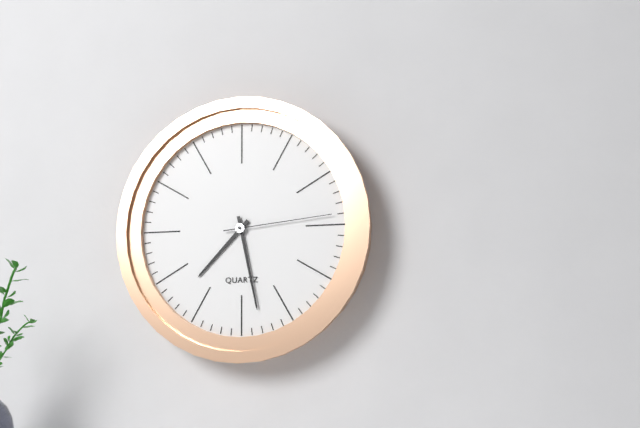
7:28:14
